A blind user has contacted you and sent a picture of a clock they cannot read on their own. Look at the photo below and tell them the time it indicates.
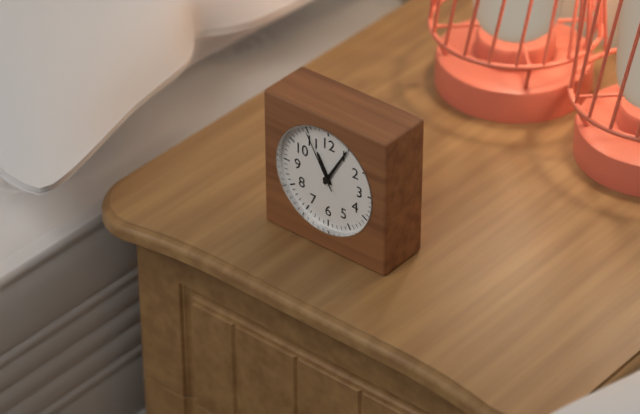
11:05:55
